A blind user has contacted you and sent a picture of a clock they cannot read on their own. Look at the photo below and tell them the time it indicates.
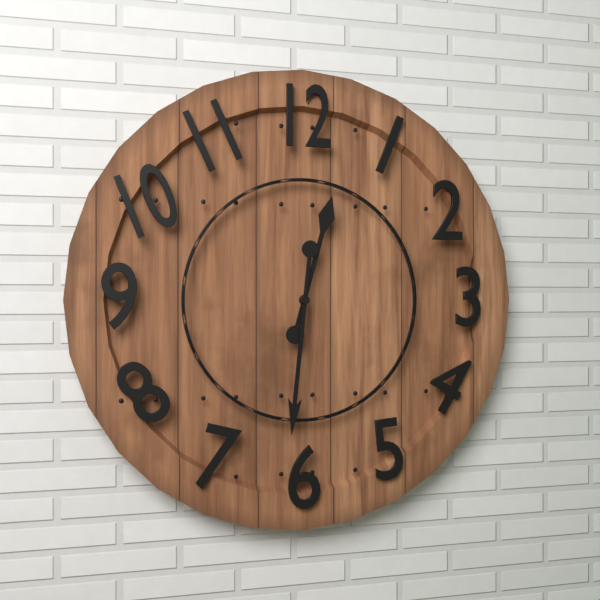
12:31
